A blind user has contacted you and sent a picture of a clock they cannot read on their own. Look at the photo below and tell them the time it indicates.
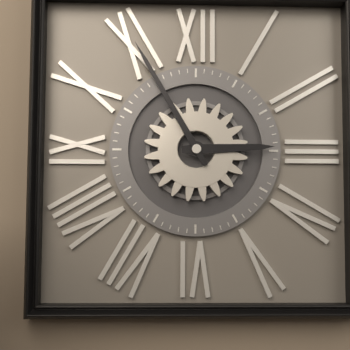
2:55
